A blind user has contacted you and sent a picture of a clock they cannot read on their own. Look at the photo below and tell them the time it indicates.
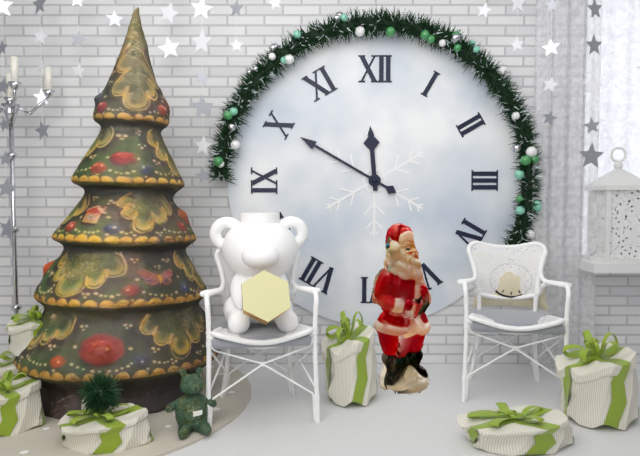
11:50
